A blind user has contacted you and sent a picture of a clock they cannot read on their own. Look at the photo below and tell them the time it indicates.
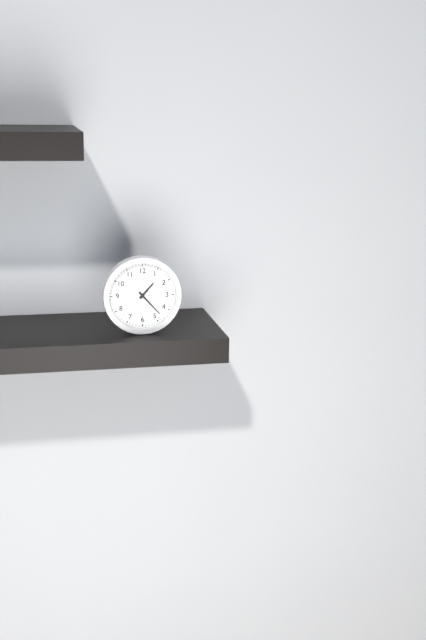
1:23
